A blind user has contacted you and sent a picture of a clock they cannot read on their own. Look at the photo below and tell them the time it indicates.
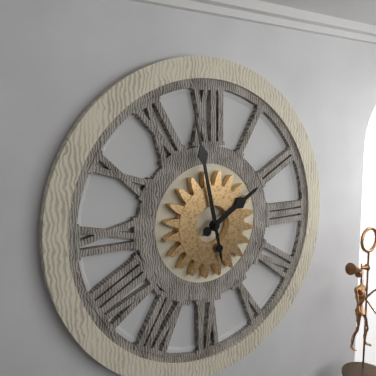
1:58
